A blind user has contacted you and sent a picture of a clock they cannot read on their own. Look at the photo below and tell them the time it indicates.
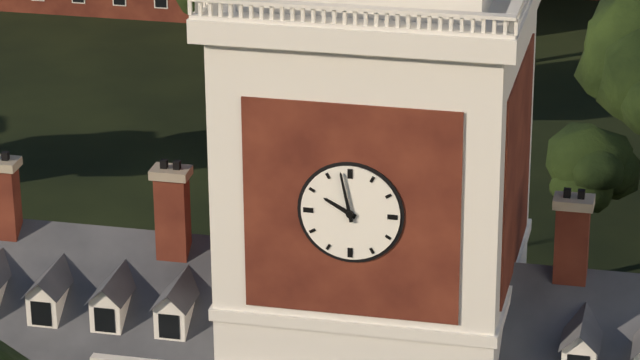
9:58
